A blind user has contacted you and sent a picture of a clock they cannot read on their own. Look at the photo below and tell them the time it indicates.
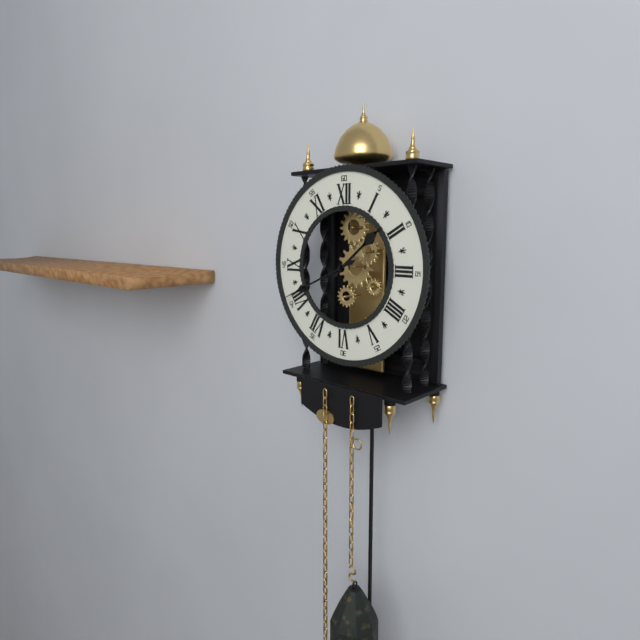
1:41
